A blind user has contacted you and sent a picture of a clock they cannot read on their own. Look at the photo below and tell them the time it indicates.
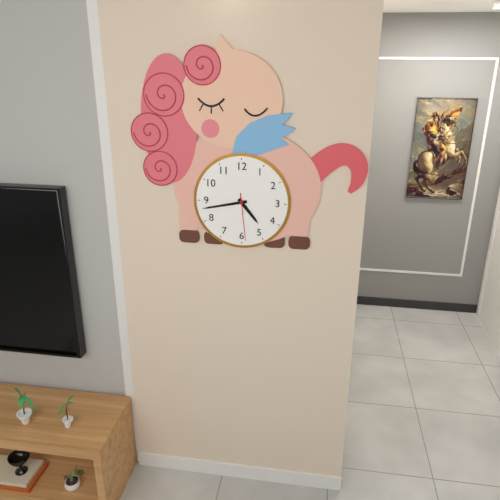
4:43
